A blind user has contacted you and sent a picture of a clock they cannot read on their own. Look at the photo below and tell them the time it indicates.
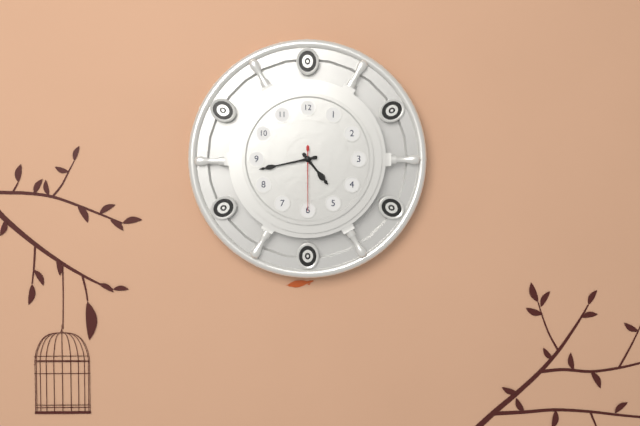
4:43:30
